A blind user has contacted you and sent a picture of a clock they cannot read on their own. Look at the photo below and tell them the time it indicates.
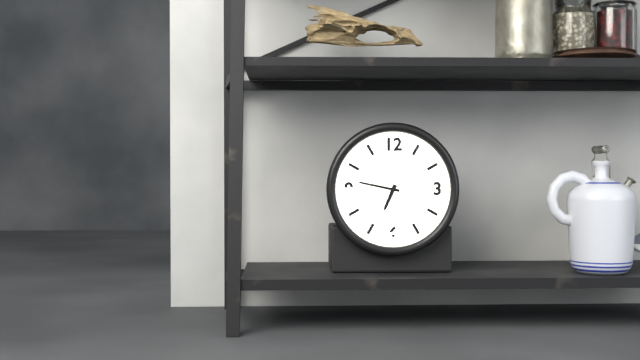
6:47
